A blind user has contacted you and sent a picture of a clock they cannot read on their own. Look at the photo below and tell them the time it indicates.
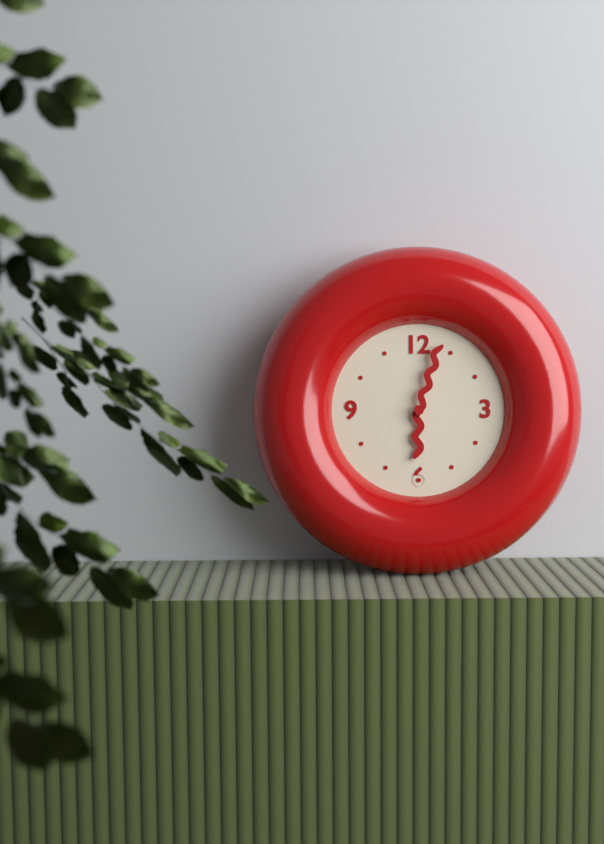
6:03
